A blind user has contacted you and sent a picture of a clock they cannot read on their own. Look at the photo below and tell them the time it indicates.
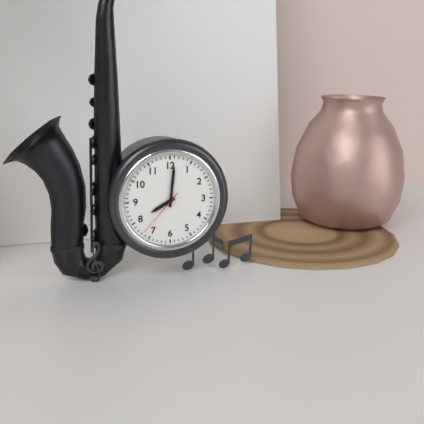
8:01:37
